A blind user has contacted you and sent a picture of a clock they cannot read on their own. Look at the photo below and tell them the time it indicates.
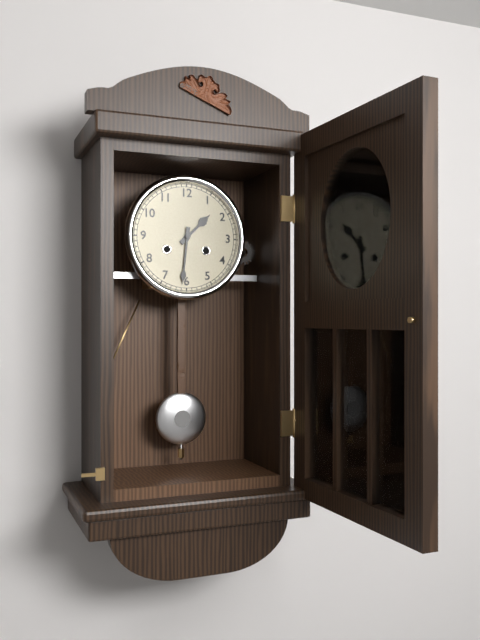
1:31
